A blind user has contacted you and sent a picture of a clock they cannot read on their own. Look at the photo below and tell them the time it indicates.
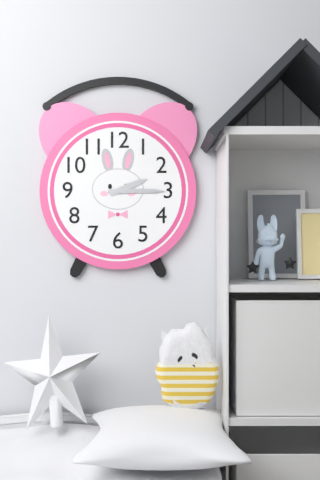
2:15
